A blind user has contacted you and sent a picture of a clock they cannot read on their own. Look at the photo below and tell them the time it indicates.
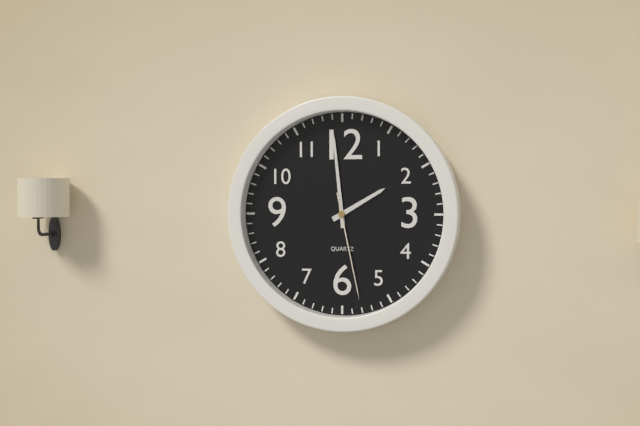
1:59:28
